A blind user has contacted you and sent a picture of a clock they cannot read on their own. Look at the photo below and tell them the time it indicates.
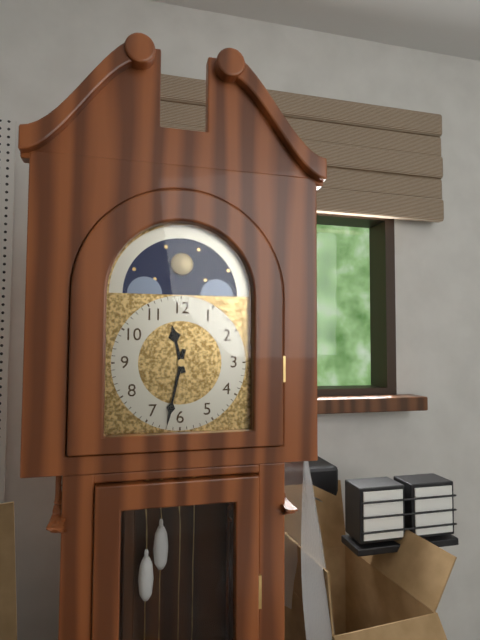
11:32
